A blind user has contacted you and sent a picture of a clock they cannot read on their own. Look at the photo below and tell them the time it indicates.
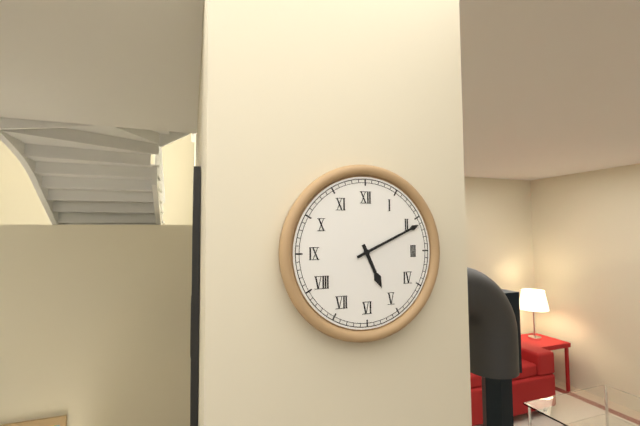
5:11
